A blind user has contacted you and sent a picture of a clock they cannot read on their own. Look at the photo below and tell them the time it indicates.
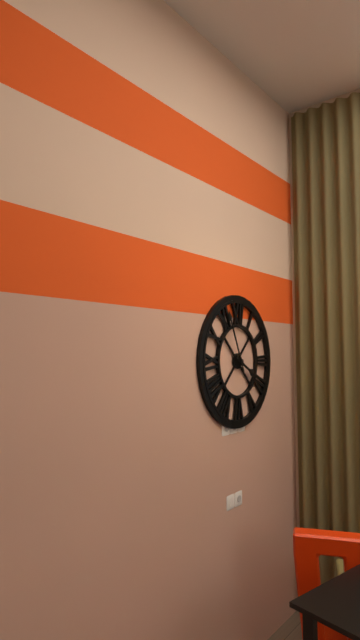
3:56
